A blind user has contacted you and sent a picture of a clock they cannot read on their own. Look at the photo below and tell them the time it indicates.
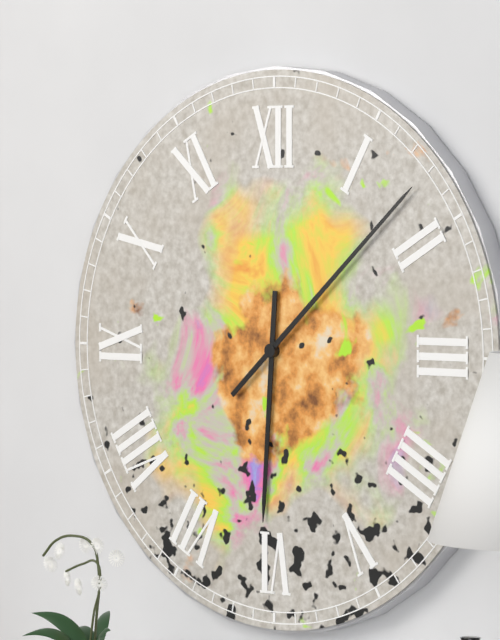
6:08
